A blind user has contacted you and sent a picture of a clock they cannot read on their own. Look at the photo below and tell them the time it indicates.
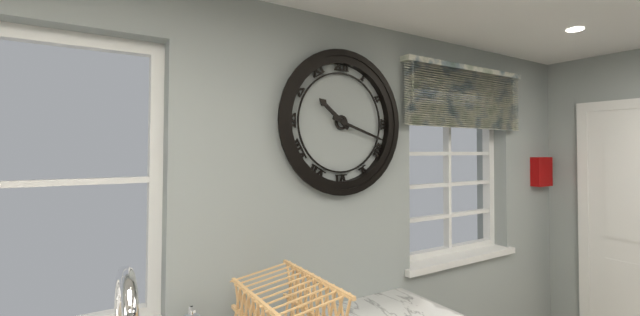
10:18
